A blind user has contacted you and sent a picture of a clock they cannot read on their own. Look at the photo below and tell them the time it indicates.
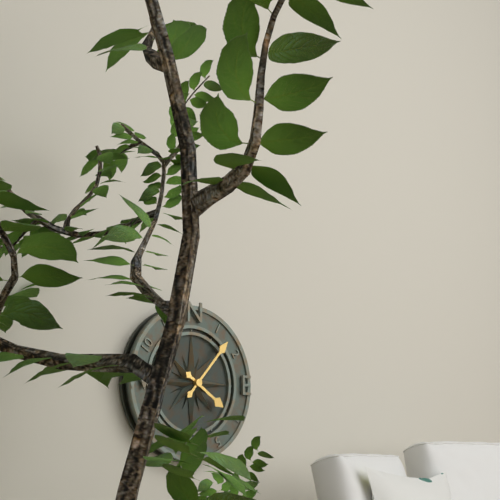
4:07
